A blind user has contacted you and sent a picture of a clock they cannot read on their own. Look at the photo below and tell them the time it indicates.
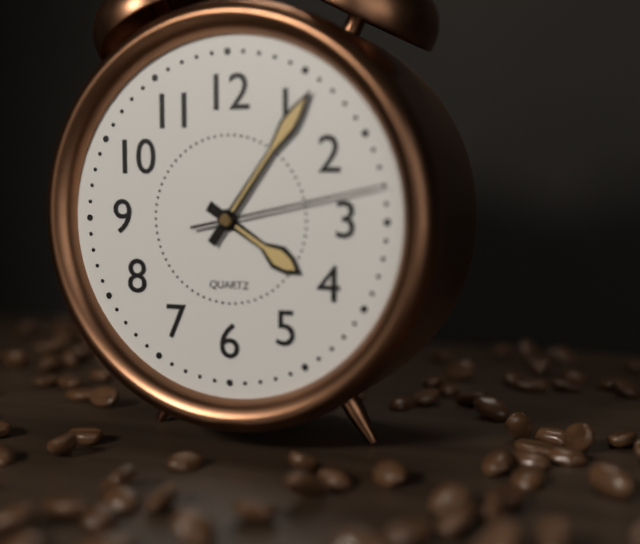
4:06:13
